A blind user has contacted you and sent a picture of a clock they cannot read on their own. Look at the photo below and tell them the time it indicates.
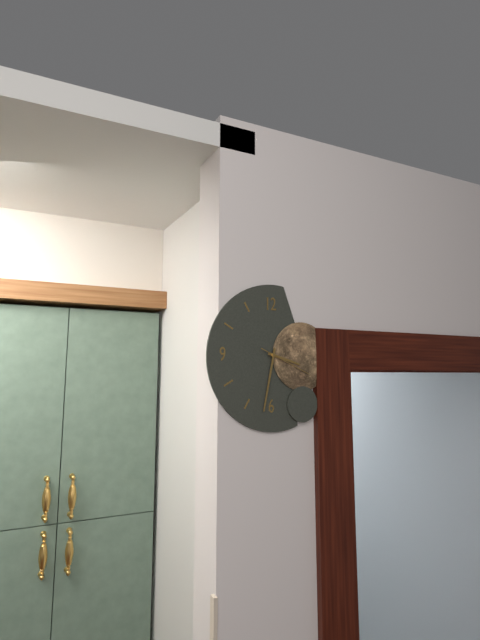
3:32:19
